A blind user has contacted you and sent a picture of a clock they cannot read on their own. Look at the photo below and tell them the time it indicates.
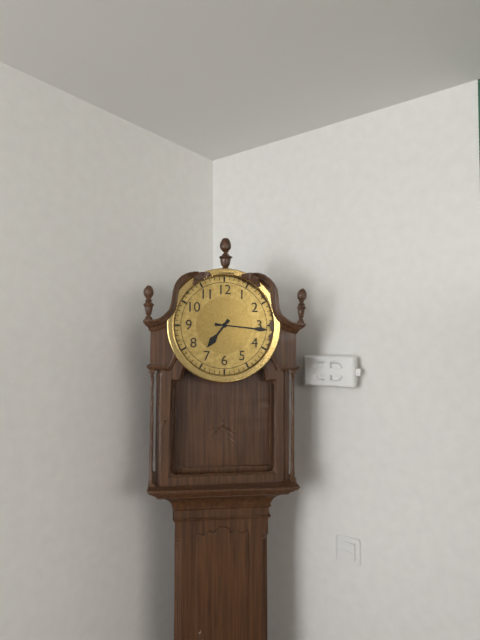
7:16
